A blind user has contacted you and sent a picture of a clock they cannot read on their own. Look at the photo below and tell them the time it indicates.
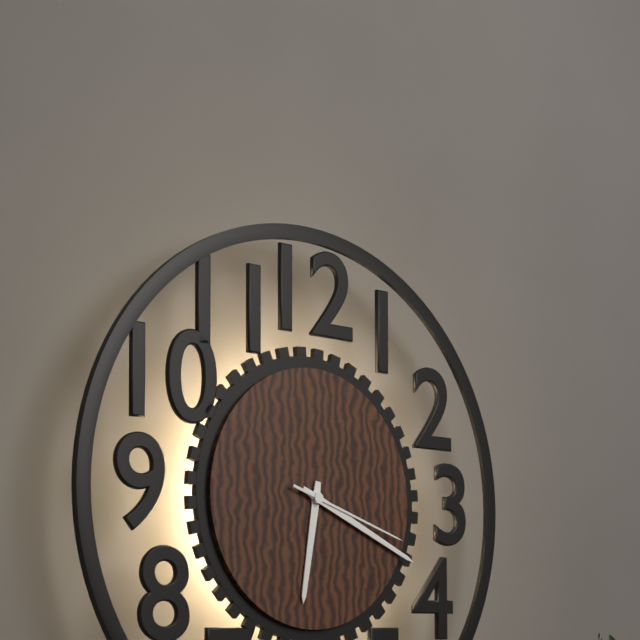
6:19:18
